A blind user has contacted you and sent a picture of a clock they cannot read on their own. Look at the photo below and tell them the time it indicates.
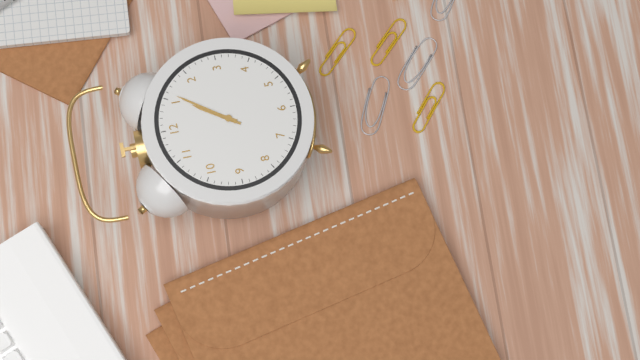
1:06
